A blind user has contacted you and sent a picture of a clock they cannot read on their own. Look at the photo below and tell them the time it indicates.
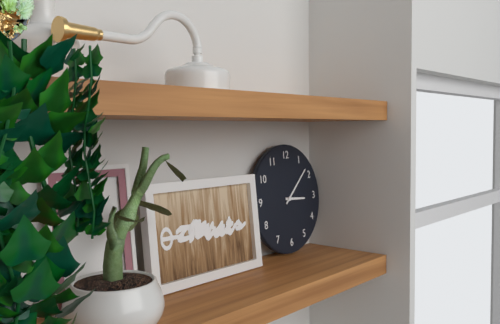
3:08
